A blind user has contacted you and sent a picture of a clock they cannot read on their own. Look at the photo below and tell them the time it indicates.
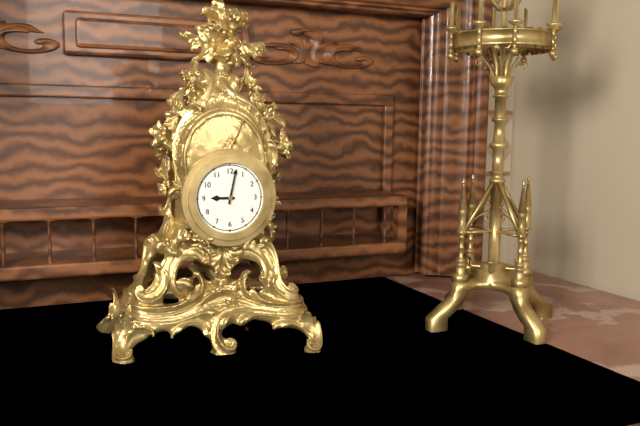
9:02
